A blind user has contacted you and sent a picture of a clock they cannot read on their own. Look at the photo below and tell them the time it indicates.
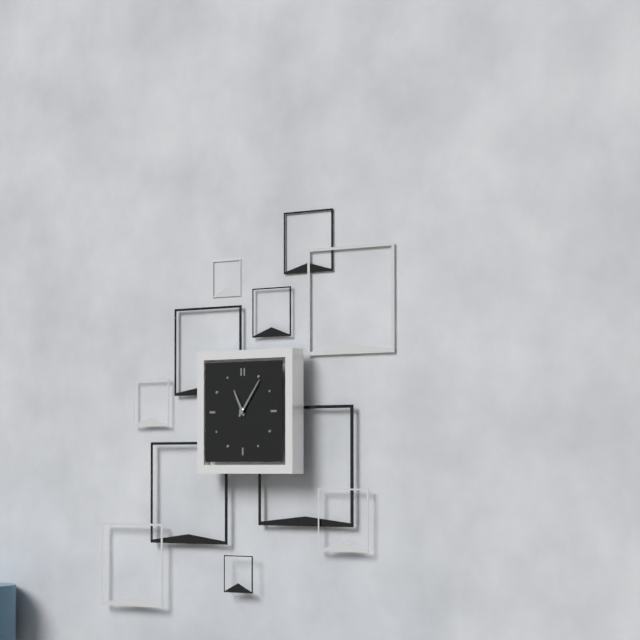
11:06
